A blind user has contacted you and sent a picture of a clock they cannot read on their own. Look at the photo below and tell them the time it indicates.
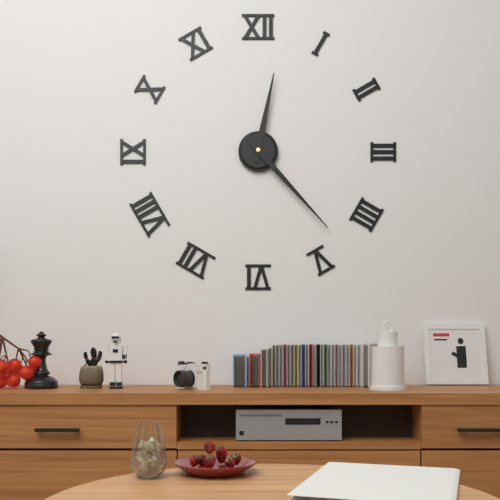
12:23
